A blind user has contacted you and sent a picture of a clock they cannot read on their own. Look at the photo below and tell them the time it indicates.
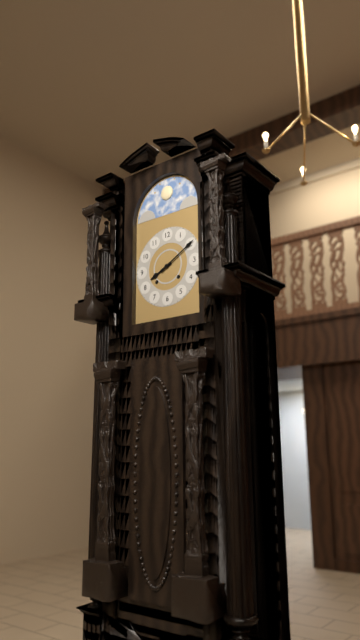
8:10
